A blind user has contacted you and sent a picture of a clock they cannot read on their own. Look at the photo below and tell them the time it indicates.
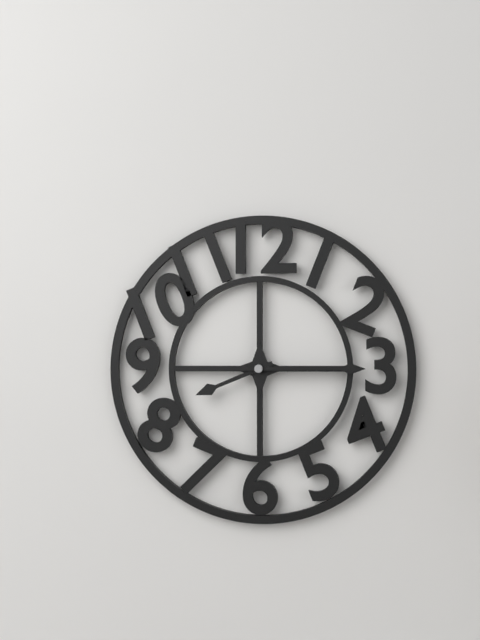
8:15
